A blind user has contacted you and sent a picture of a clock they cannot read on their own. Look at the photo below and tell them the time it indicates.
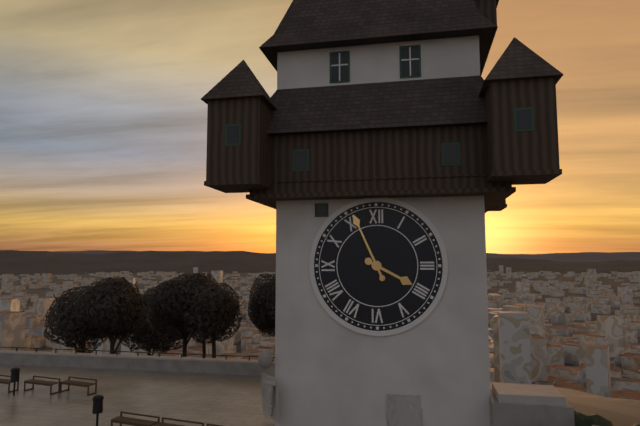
3:56
